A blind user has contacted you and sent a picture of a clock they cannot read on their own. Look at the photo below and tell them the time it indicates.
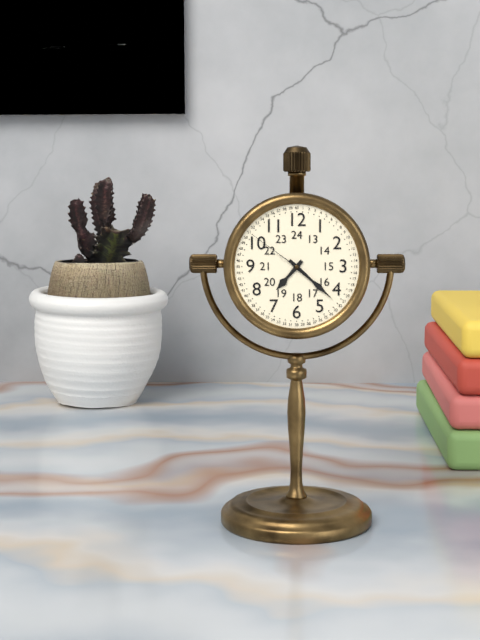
7:22:51
